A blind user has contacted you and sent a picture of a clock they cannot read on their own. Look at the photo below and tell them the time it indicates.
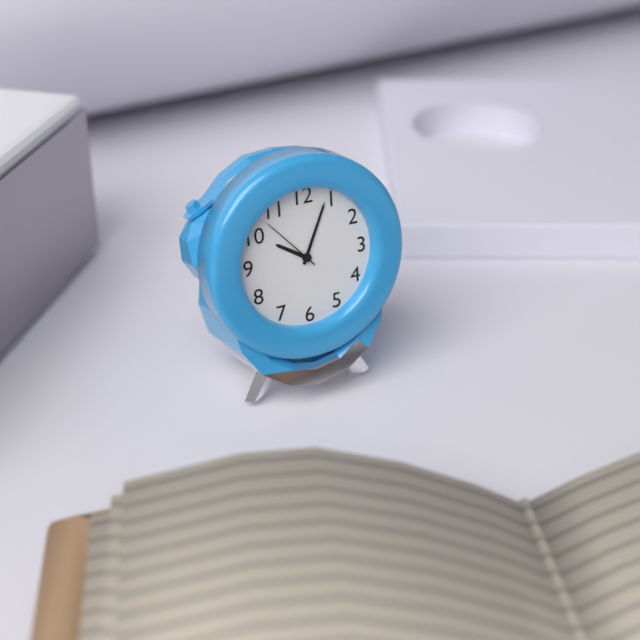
10:04:53
